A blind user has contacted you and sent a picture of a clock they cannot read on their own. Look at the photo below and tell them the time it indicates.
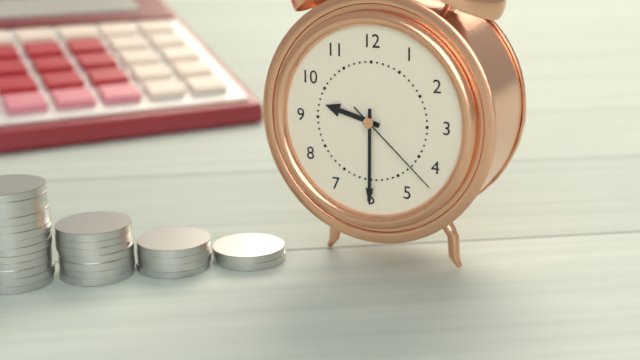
9:30:22
